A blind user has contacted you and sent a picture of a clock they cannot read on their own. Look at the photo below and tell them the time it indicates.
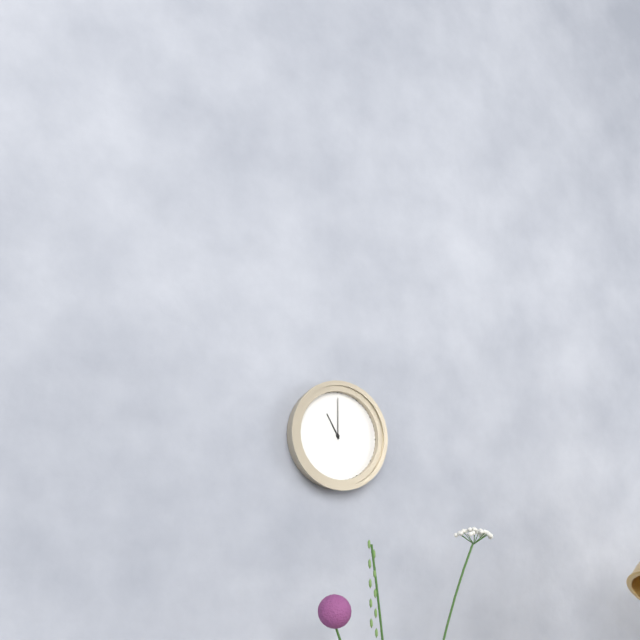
11:00
